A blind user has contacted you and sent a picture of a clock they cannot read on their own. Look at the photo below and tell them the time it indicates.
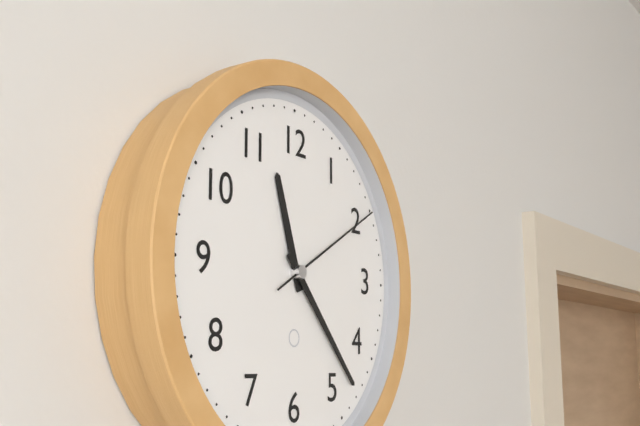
11:23:10
